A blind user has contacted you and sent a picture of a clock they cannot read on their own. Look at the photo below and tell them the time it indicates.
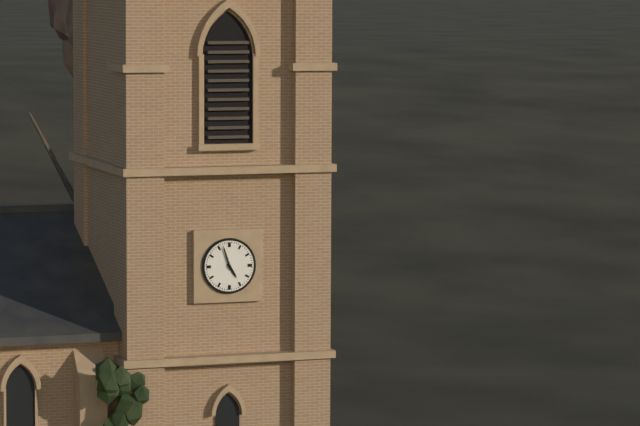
4:57
